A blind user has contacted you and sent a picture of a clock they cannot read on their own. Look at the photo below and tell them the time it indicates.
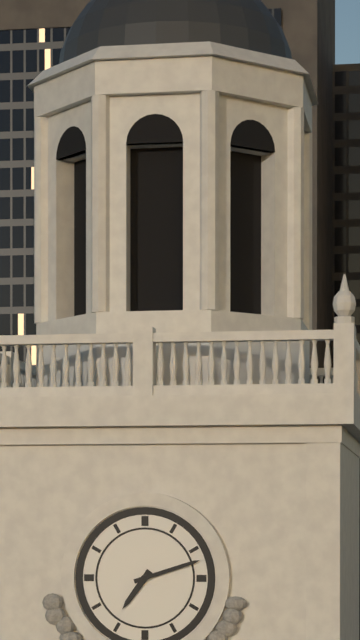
7:12
